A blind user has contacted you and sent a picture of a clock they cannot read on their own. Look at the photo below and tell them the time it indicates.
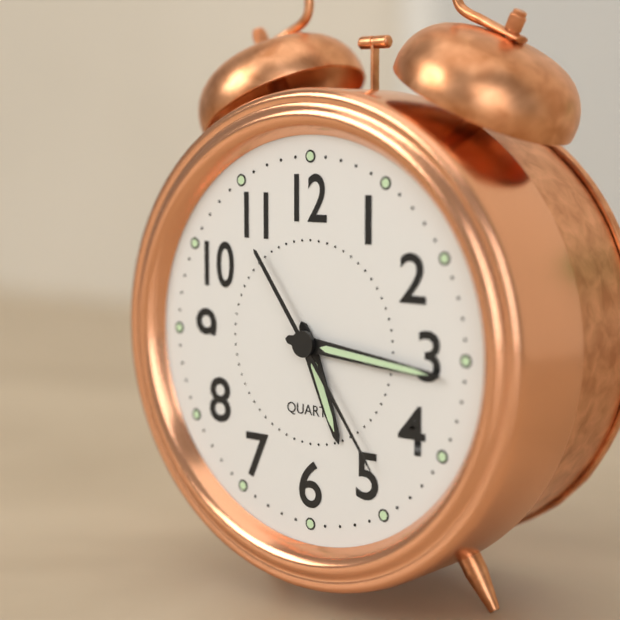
5:16:24
